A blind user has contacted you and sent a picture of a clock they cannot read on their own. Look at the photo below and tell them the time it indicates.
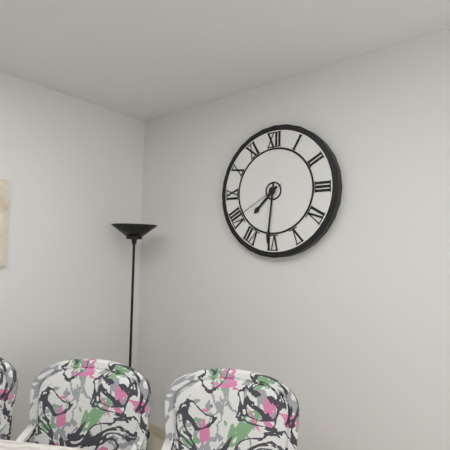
7:31:40
